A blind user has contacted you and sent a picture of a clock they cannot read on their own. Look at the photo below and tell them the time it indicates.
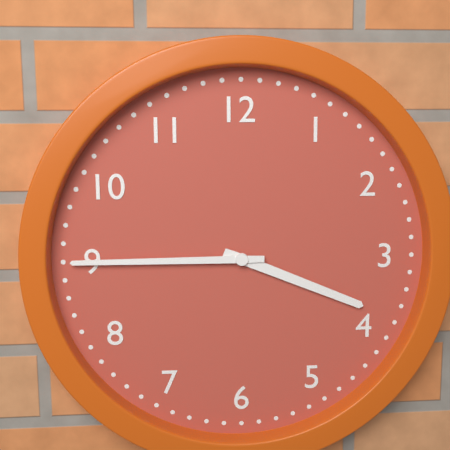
3:45
